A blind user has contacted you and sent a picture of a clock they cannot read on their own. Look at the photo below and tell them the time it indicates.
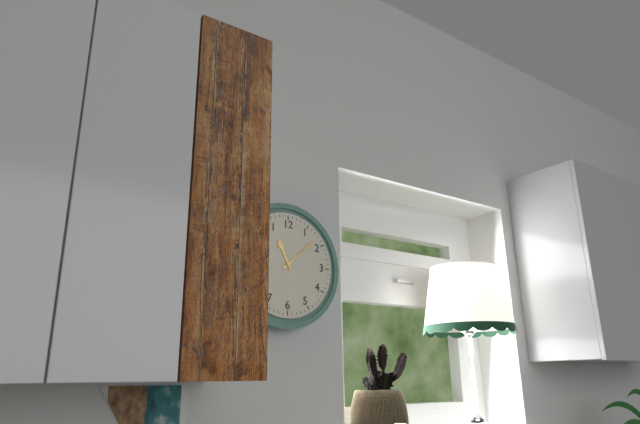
11:08
